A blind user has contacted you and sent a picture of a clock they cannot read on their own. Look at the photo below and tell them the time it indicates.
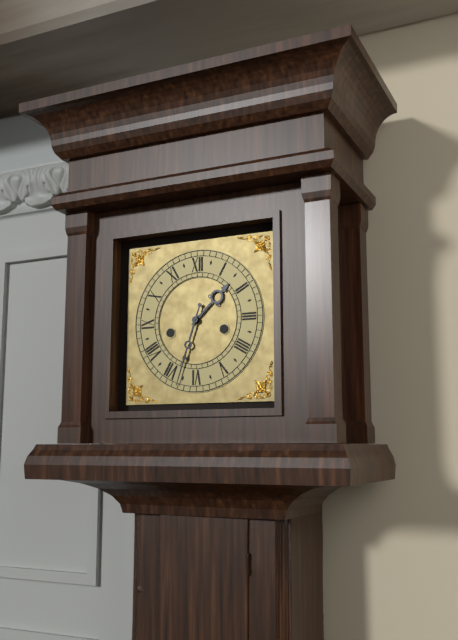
1:33
